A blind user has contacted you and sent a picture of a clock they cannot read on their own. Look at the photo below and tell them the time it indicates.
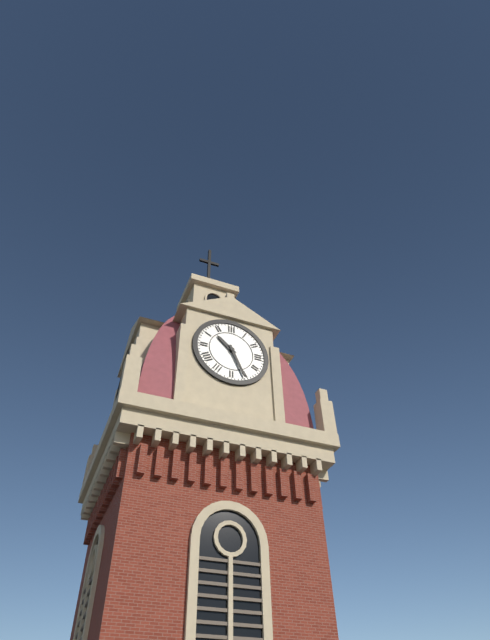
10:26
